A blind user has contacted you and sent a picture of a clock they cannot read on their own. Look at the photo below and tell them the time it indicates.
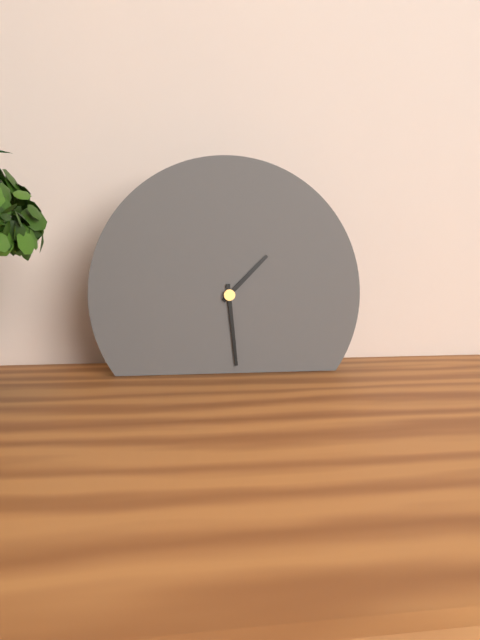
1:29
